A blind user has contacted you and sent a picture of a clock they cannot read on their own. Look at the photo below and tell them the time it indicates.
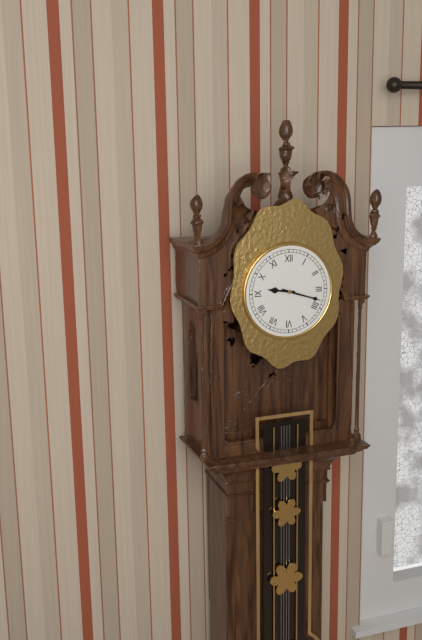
9:18
